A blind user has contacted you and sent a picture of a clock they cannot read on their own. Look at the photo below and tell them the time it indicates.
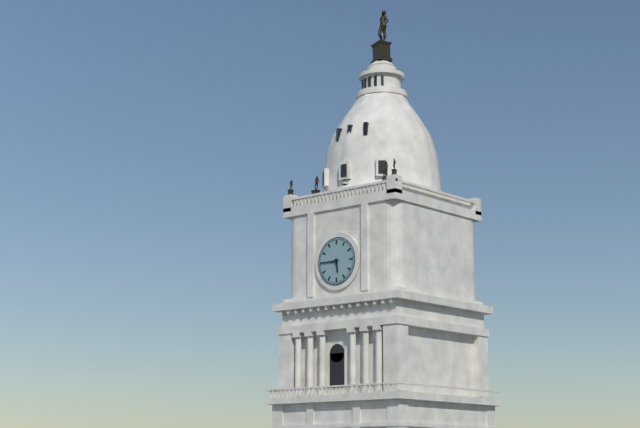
5:45
